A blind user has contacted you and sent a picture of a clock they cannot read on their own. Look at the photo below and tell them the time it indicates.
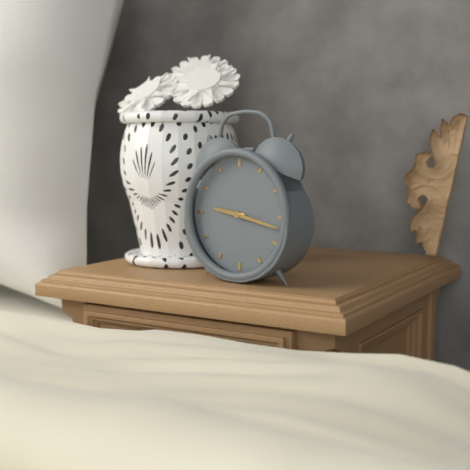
9:17
